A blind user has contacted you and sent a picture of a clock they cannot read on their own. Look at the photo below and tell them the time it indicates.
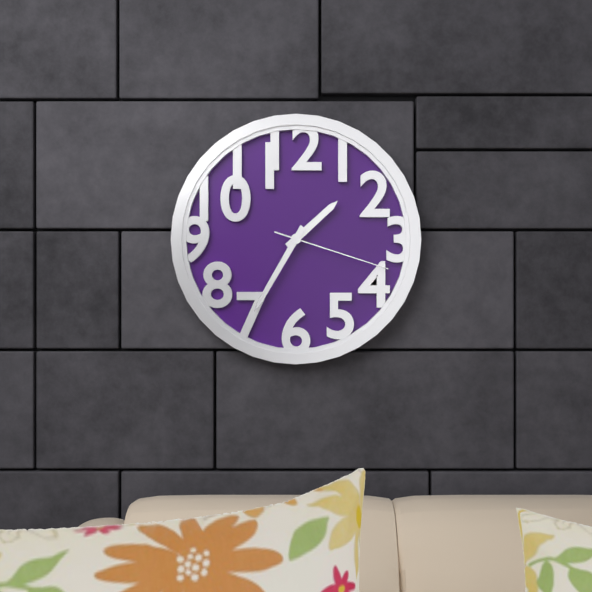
1:35:18
